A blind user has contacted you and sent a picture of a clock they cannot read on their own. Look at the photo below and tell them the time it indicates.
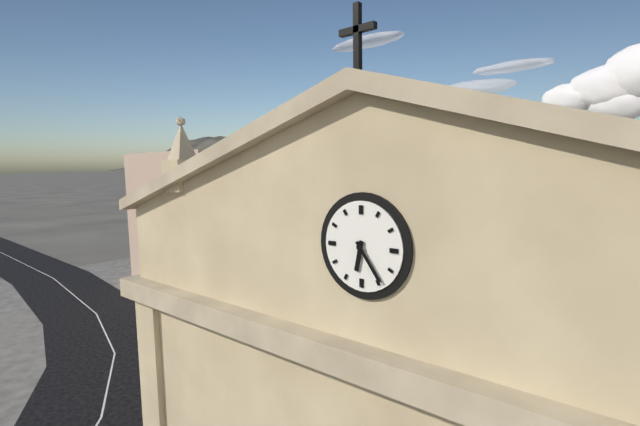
6:24
